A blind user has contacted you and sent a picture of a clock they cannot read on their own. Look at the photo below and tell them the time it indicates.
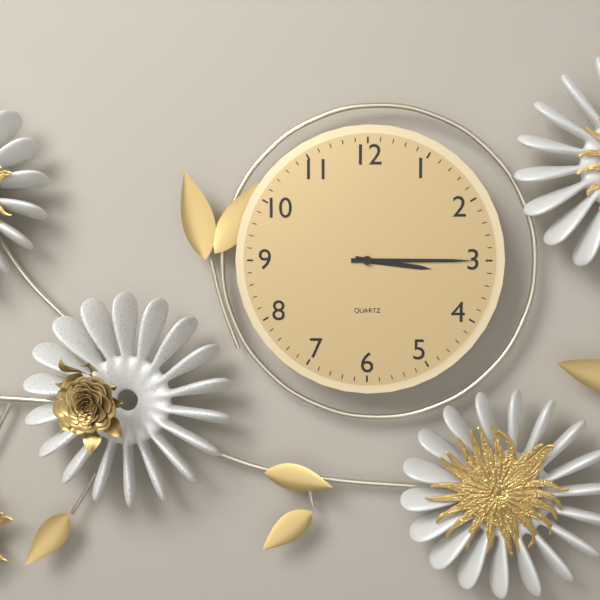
3:15
